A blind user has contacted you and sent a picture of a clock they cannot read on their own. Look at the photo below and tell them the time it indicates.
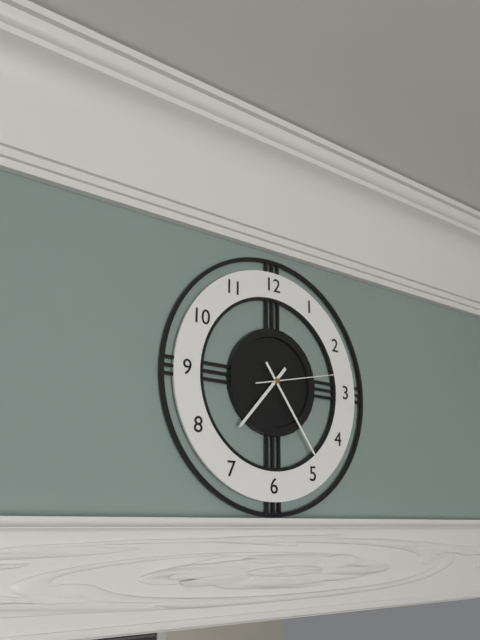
7:24:13
